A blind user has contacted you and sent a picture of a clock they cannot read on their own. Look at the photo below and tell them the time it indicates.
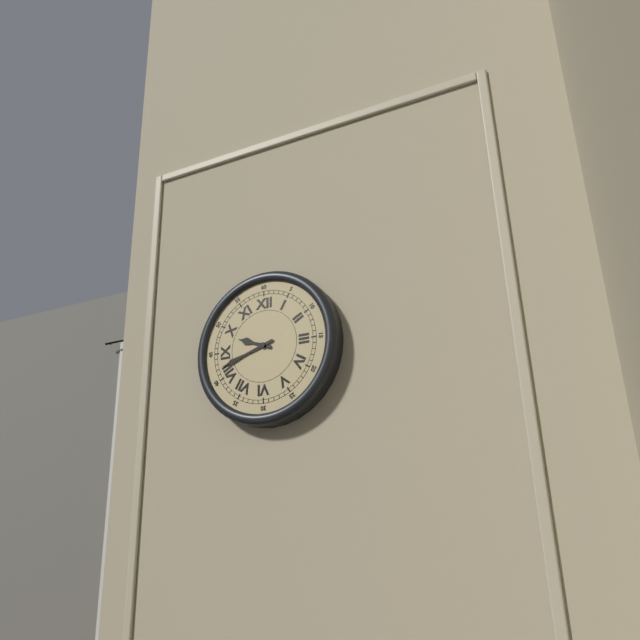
9:42
